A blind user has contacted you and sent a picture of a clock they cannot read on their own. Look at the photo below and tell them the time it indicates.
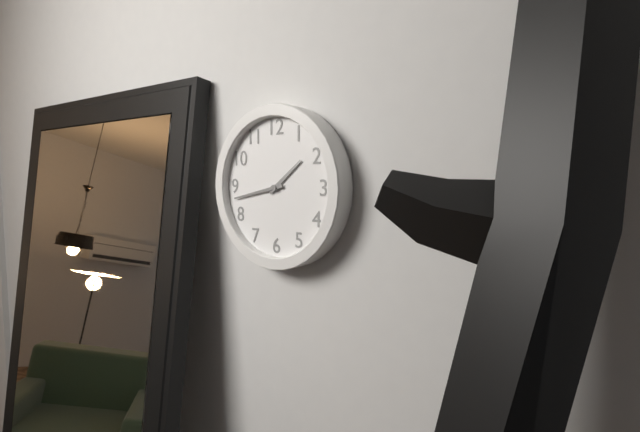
1:43
